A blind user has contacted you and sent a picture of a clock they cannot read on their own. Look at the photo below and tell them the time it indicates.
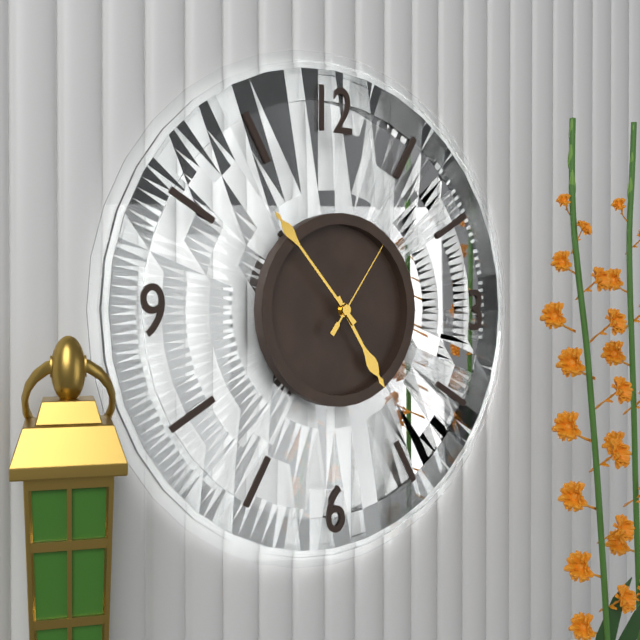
4:53:06
